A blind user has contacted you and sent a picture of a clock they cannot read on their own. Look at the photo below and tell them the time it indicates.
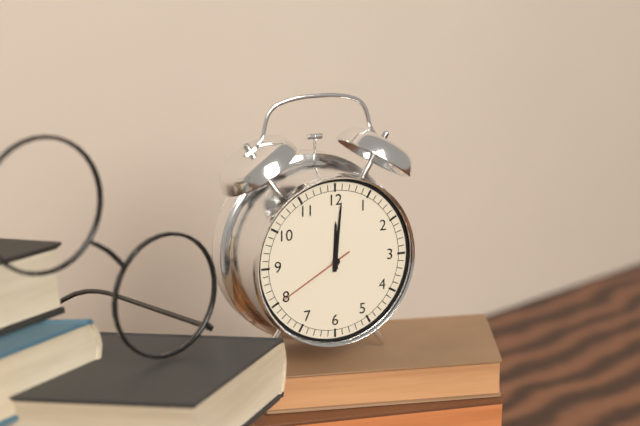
12:01:40
